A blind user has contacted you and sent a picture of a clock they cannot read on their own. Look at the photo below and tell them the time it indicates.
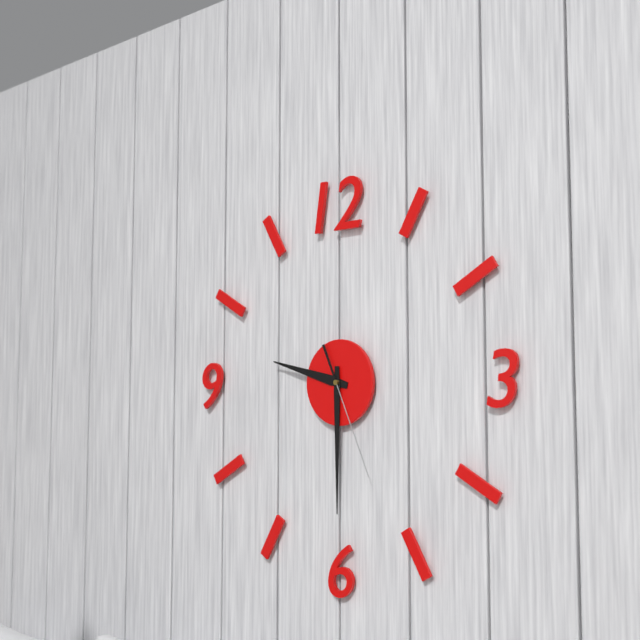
9:30:26
